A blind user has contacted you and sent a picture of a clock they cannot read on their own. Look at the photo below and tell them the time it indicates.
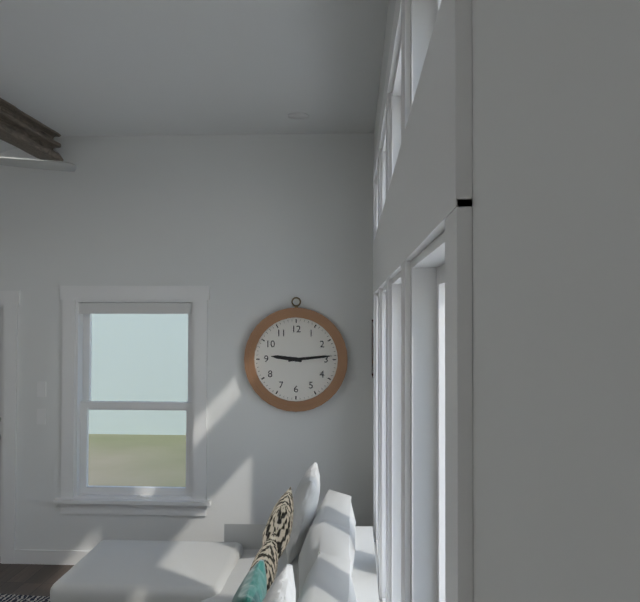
9:14
